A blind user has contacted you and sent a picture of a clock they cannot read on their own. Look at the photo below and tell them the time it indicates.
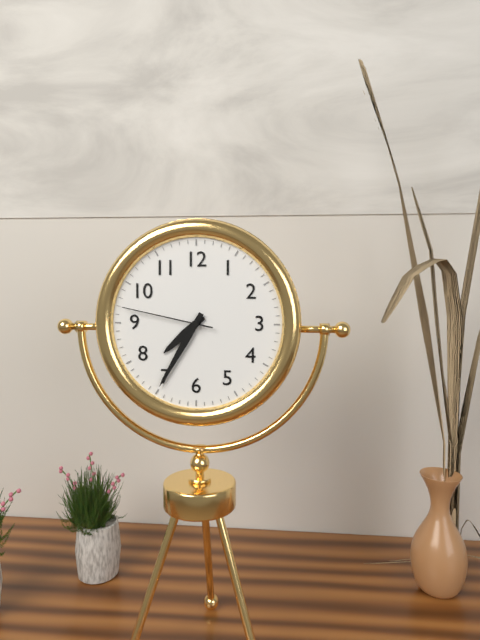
7:35:47
